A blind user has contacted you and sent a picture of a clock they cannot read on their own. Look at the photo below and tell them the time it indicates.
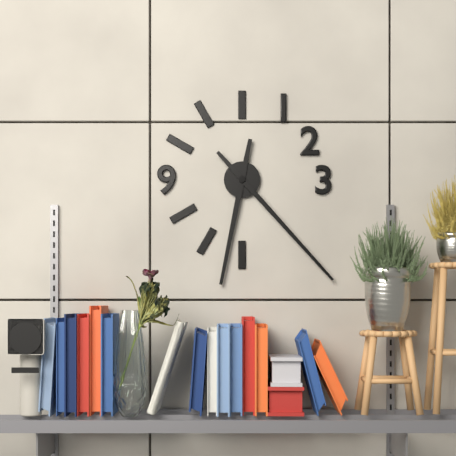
6:23
